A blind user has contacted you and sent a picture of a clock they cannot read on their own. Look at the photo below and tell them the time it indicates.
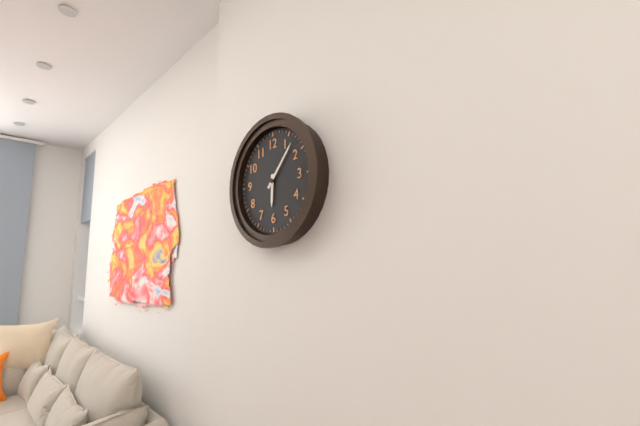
6:07
